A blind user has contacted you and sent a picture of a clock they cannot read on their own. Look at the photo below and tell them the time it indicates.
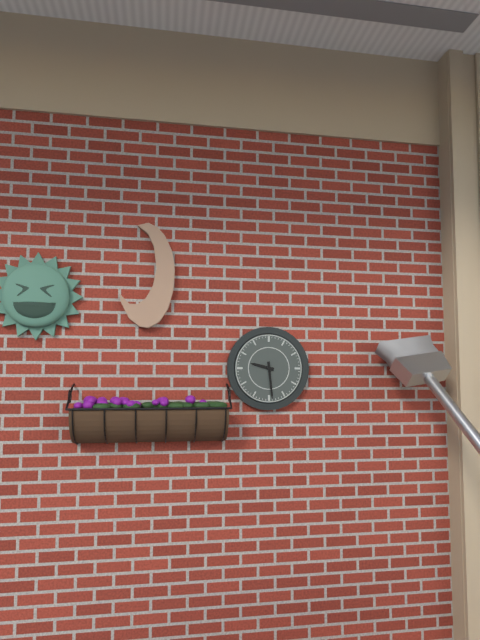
9:29
